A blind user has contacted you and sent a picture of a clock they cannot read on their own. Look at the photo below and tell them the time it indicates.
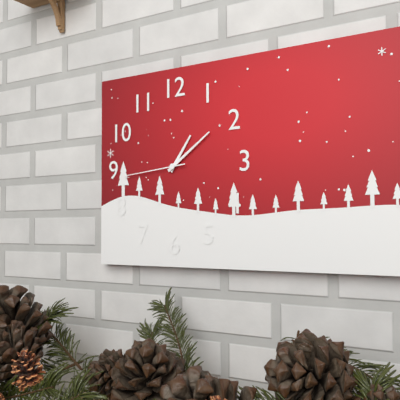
1:09:44
